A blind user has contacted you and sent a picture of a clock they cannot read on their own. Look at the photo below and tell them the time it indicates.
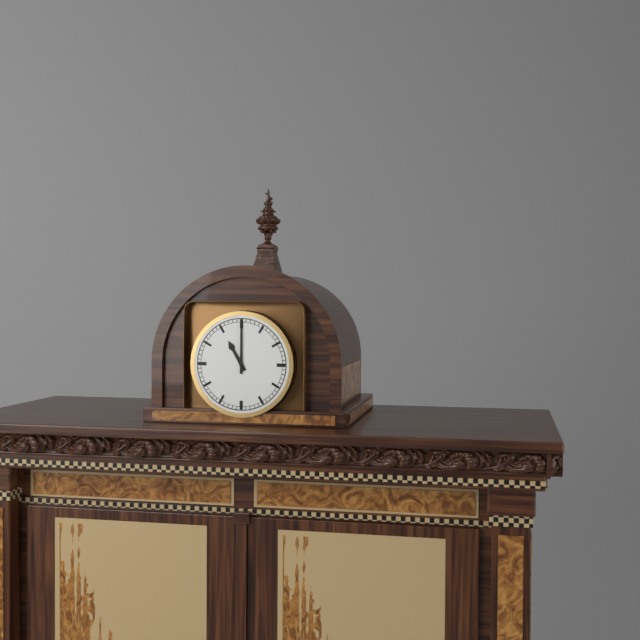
11:00
